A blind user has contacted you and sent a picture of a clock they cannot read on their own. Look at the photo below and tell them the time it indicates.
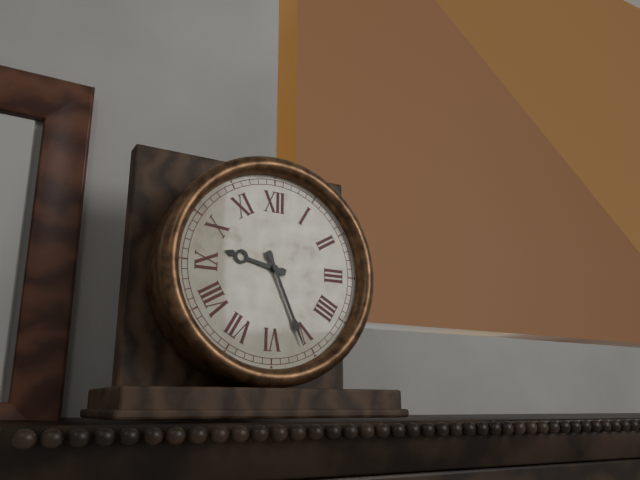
9:26
